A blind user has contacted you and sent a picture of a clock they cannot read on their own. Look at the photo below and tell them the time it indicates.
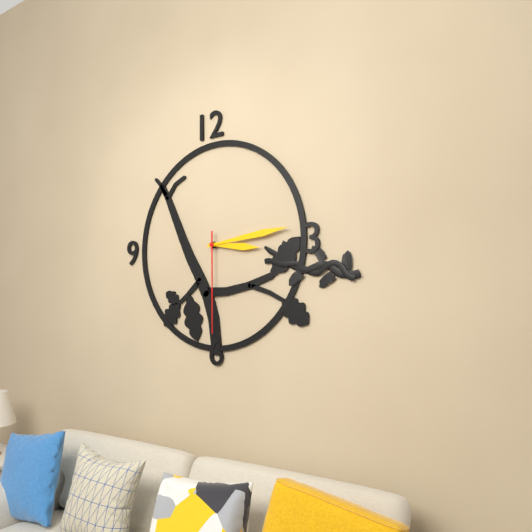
3:14:30
